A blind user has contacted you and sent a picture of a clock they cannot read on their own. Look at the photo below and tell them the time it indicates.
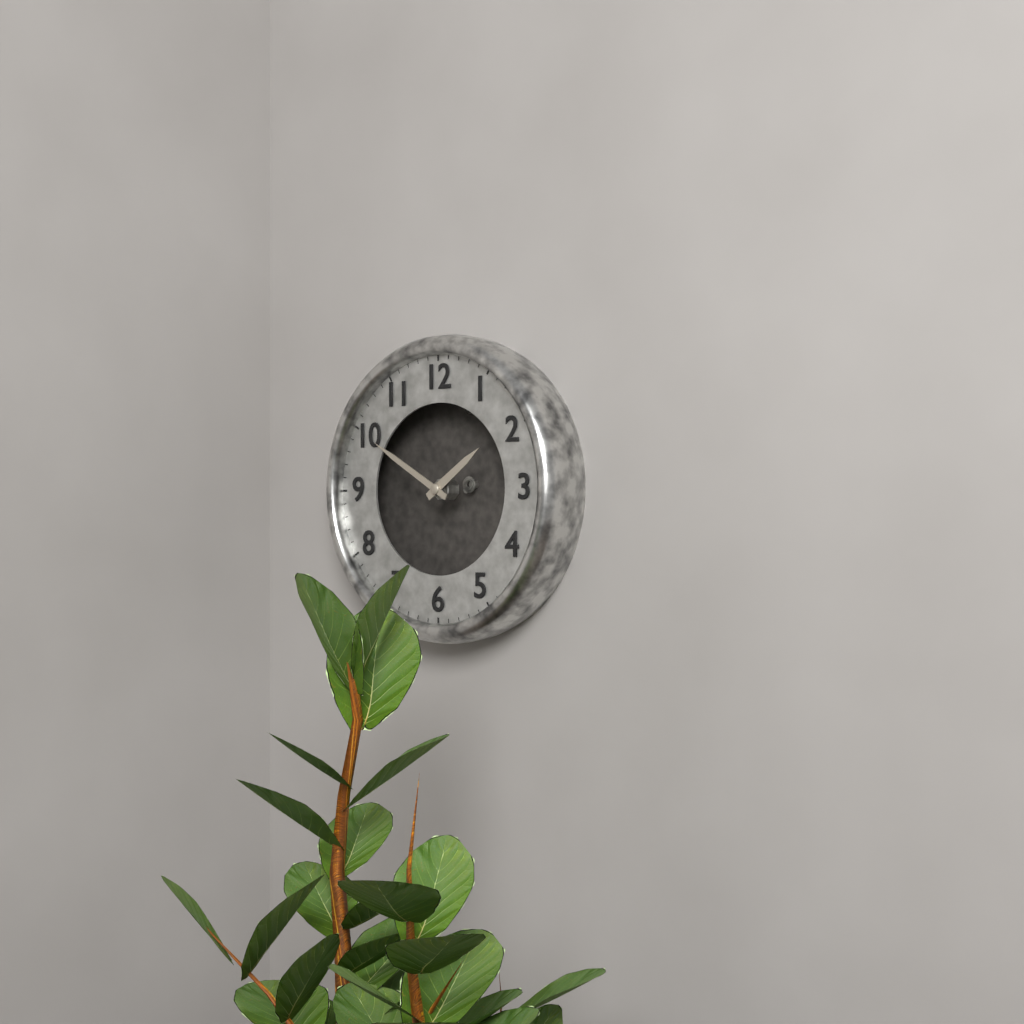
1:50
